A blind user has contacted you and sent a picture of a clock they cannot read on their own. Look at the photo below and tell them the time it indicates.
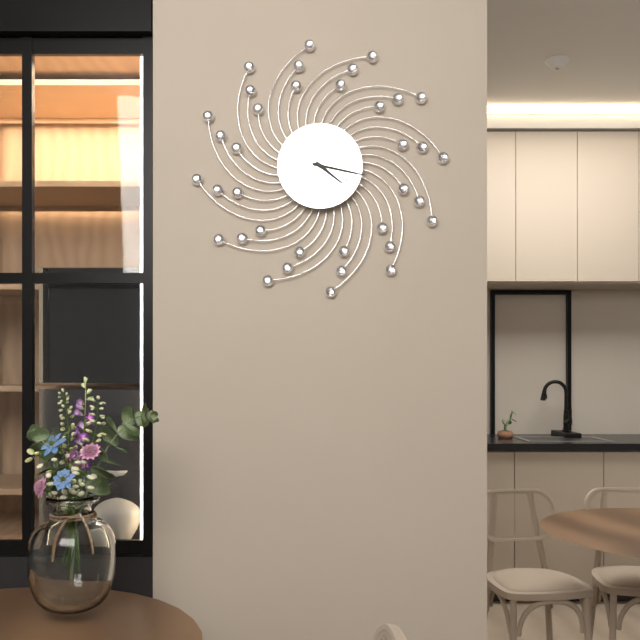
4:17
